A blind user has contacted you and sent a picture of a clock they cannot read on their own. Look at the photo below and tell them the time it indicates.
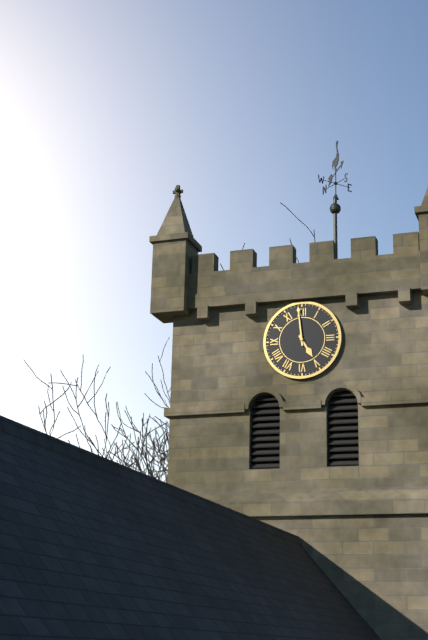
4:59
